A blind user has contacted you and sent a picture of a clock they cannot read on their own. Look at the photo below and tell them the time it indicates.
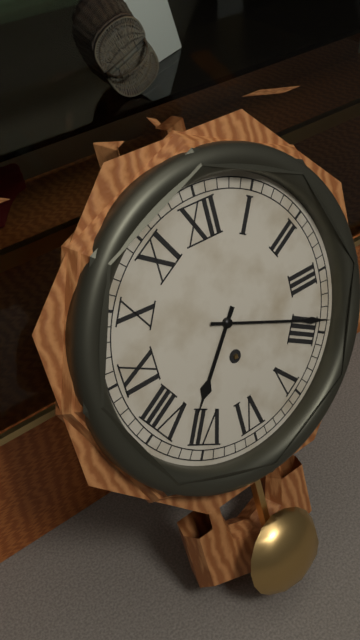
7:19
